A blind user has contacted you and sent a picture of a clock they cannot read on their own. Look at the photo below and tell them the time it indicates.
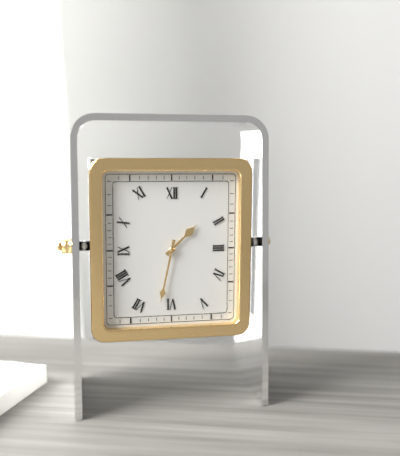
1:32
